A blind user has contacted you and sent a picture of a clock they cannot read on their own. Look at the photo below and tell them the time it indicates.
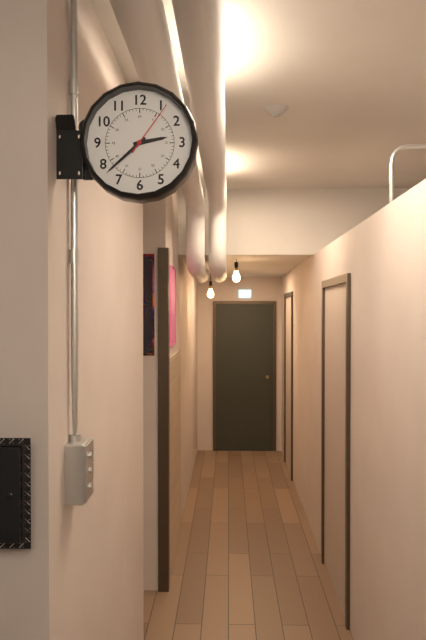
2:38:06
